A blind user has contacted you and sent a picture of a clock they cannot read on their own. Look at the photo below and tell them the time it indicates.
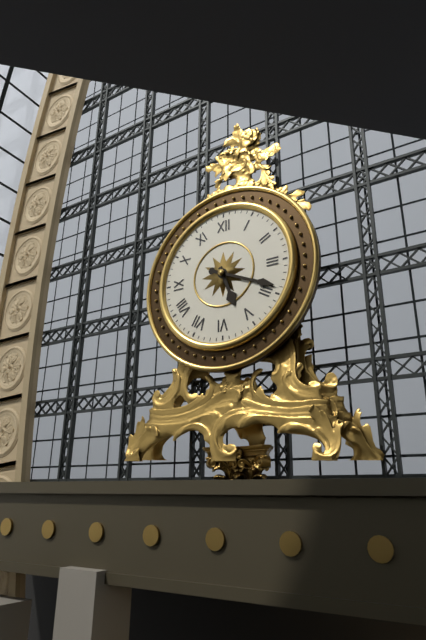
5:19
